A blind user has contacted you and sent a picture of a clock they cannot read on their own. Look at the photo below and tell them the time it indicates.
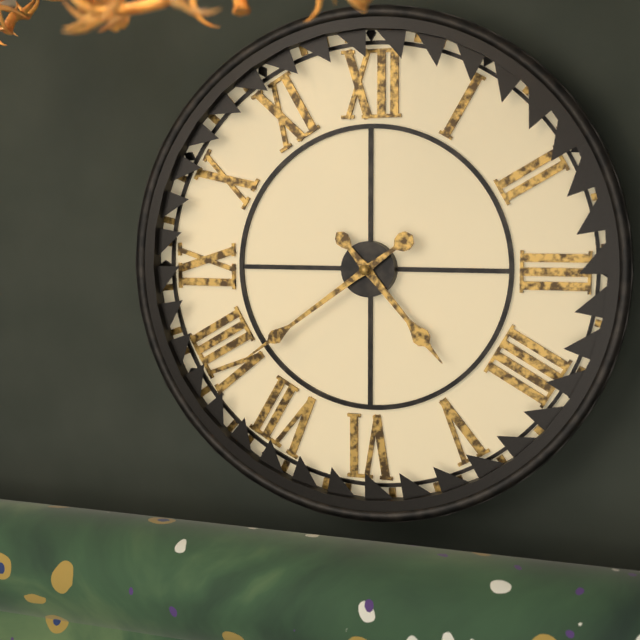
4:39
